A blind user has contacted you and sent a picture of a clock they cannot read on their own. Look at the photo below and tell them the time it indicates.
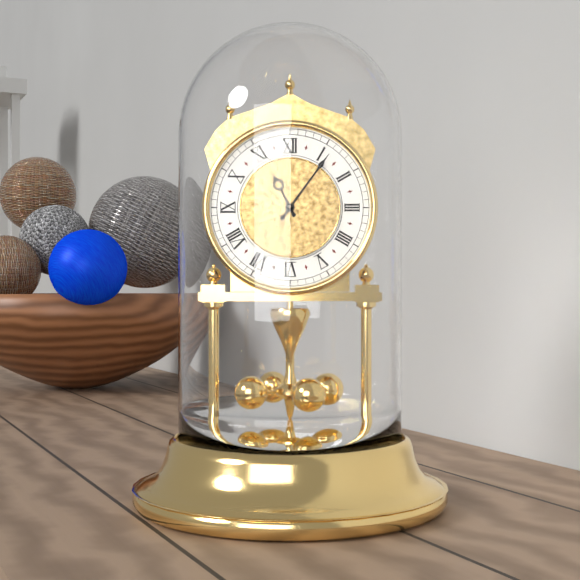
11:06
